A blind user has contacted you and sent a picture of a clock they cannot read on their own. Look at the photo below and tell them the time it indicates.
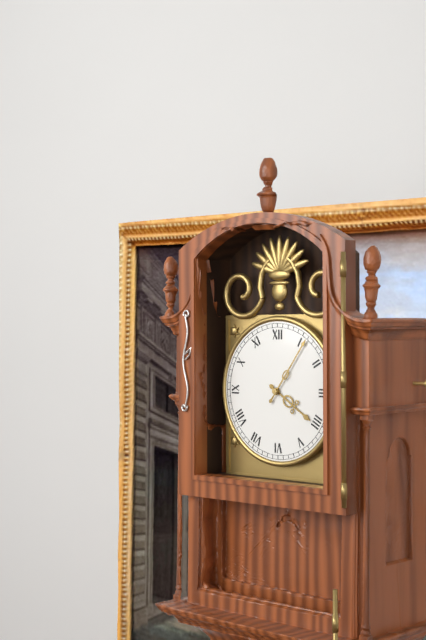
4:06
